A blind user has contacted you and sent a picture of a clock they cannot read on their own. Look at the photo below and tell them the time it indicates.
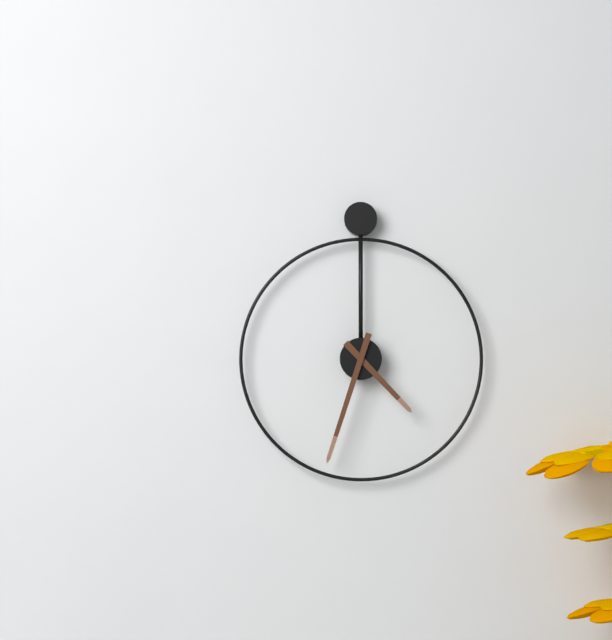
4:33
